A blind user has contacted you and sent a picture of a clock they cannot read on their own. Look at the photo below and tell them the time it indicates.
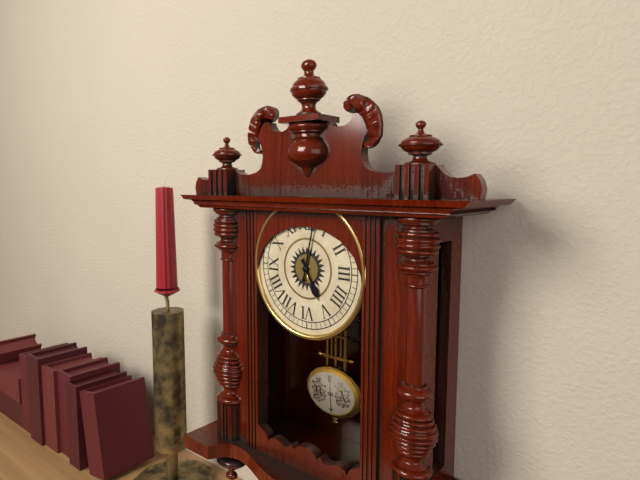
5:02
